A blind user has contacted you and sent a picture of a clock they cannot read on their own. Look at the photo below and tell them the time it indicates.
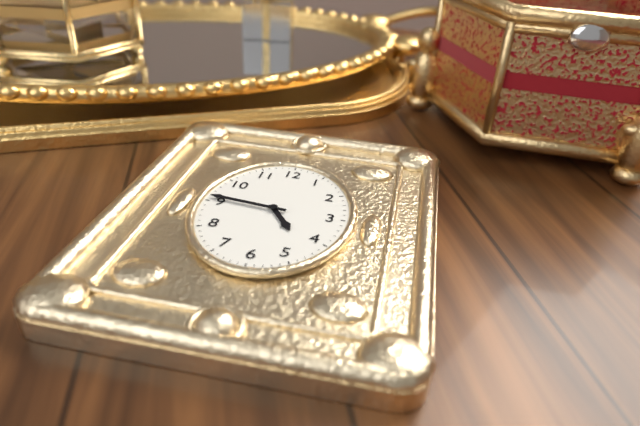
4:46
